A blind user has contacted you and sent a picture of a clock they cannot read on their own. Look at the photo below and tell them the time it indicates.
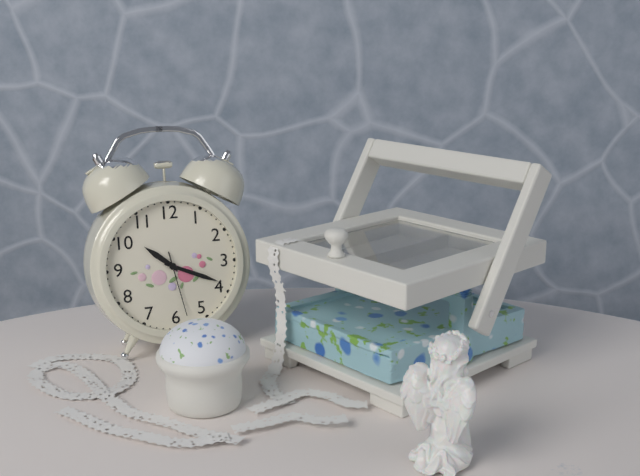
10:19:28
